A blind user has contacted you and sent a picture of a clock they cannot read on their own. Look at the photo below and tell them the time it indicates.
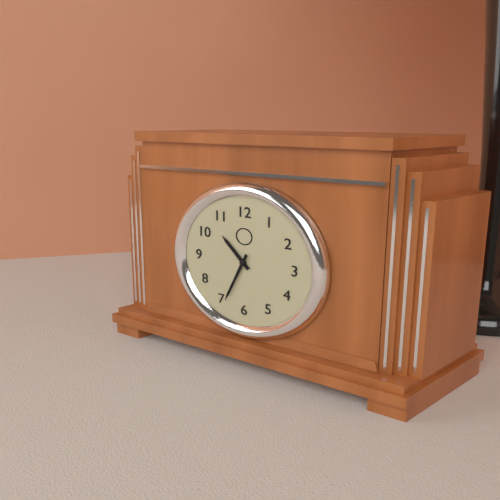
10:34
